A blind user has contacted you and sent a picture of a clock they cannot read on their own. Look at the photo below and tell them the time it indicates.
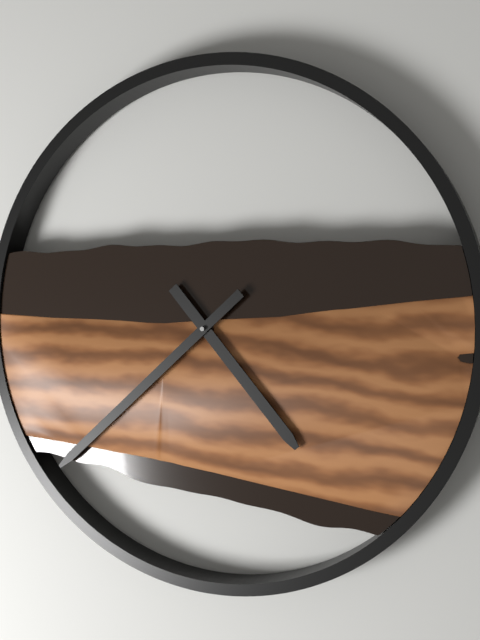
4:38
